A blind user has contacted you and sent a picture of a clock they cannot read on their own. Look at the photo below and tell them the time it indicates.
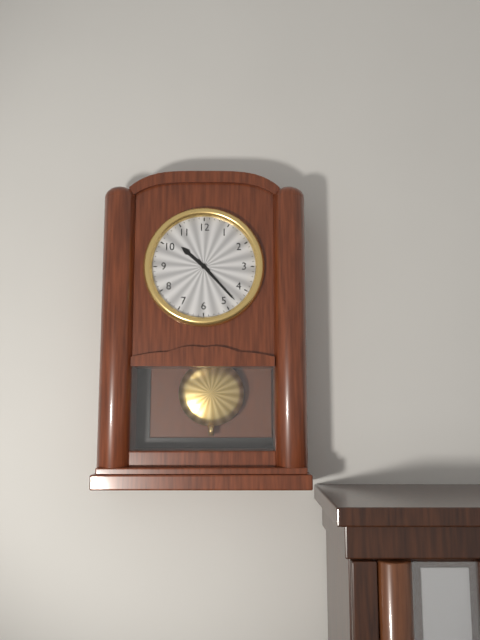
10:23
